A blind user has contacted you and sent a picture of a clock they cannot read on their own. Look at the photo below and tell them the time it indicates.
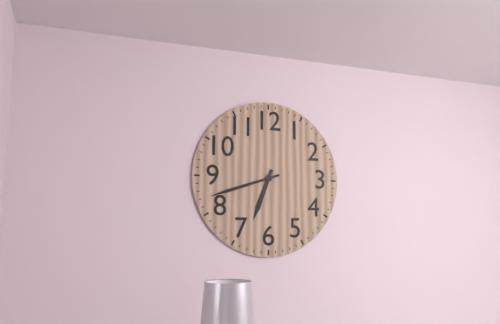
6:42
